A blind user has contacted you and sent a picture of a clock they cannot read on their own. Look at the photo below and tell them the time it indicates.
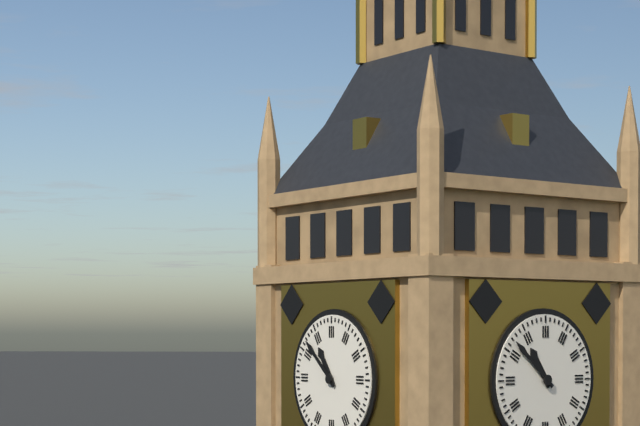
10:52
